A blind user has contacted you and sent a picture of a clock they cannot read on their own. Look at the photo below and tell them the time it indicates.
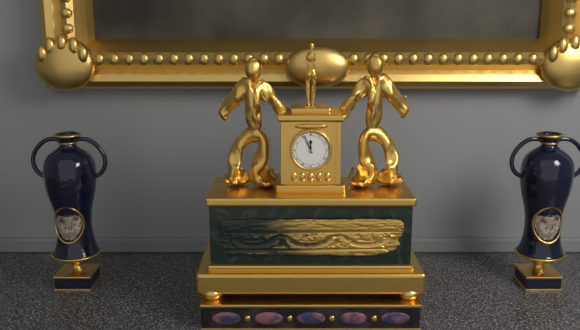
11:56
